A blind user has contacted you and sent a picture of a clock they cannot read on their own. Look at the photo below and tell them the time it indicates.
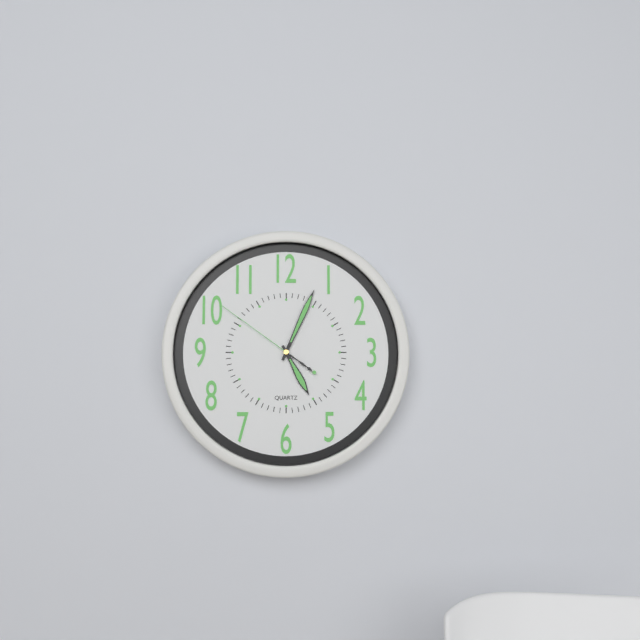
5:04:51
